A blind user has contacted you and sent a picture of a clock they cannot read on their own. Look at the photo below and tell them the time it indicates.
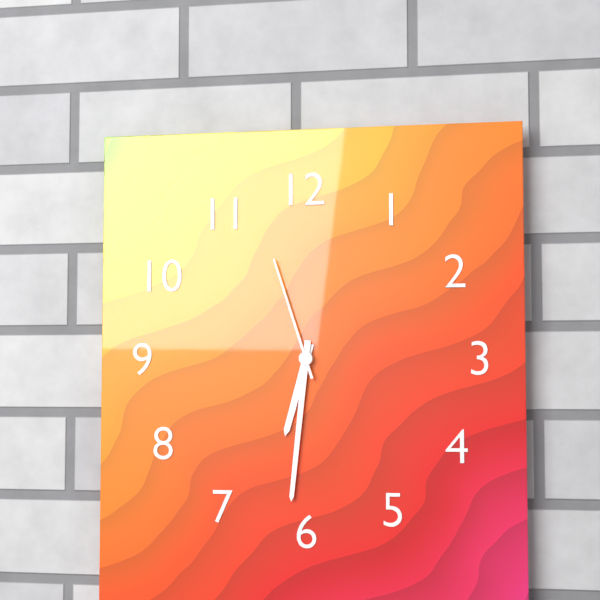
6:31:57
